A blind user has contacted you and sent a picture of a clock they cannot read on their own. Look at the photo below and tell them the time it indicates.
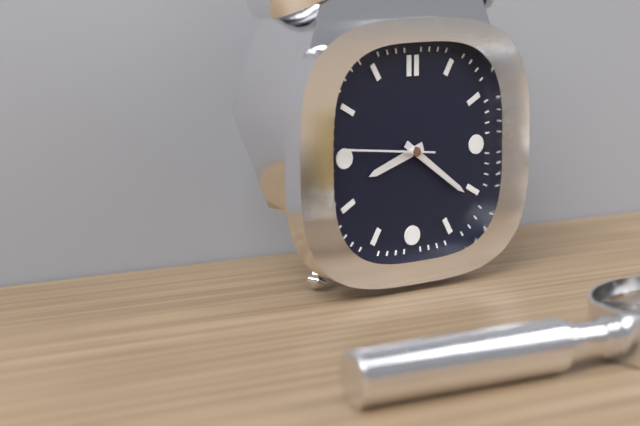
8:21:46
